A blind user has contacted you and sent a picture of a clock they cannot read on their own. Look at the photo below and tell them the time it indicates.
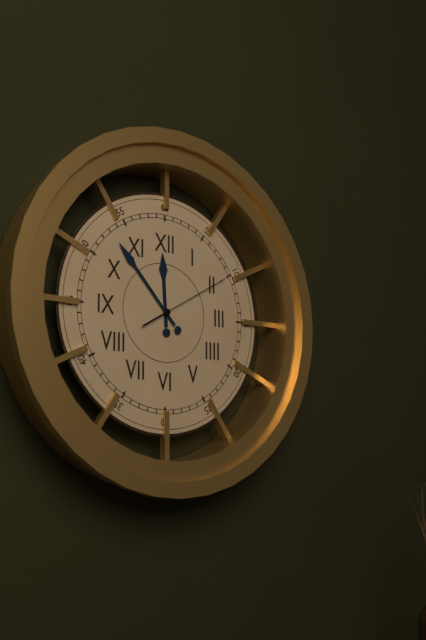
11:53:10
